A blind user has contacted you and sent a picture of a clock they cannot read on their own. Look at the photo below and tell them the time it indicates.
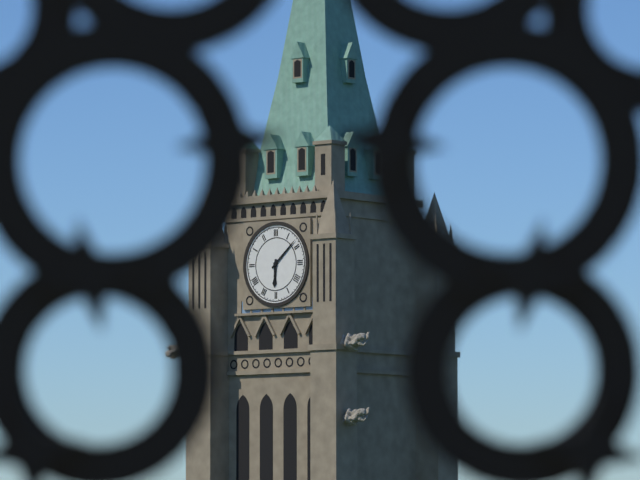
6:08
